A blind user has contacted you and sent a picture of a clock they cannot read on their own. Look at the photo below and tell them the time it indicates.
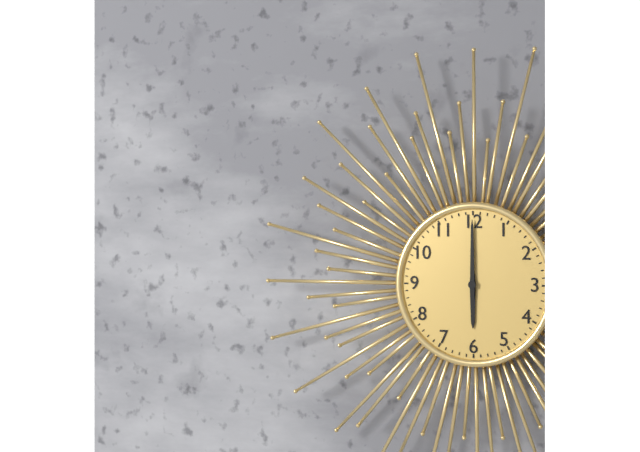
6:00
